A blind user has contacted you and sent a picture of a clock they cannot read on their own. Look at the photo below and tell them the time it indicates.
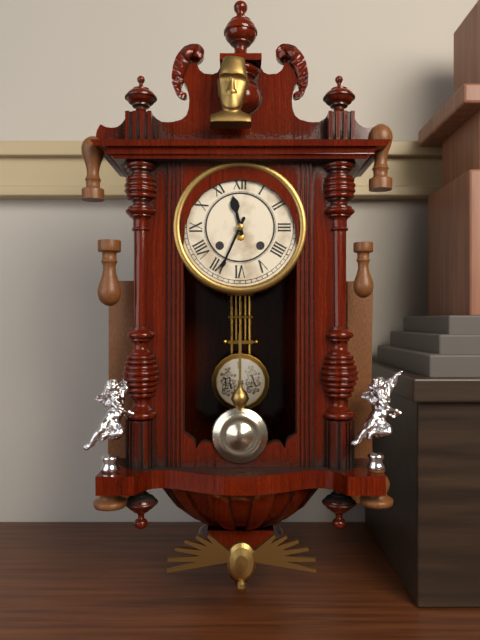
11:34
